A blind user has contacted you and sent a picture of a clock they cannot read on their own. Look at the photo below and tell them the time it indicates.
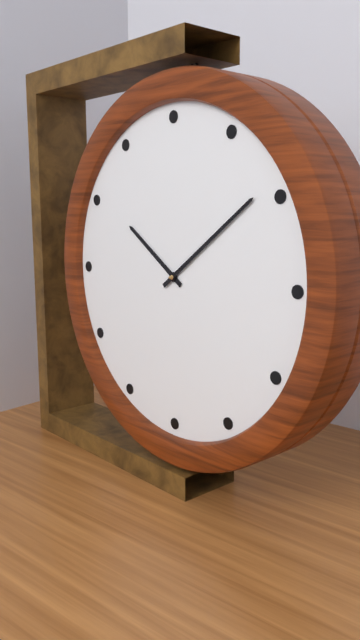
10:09
